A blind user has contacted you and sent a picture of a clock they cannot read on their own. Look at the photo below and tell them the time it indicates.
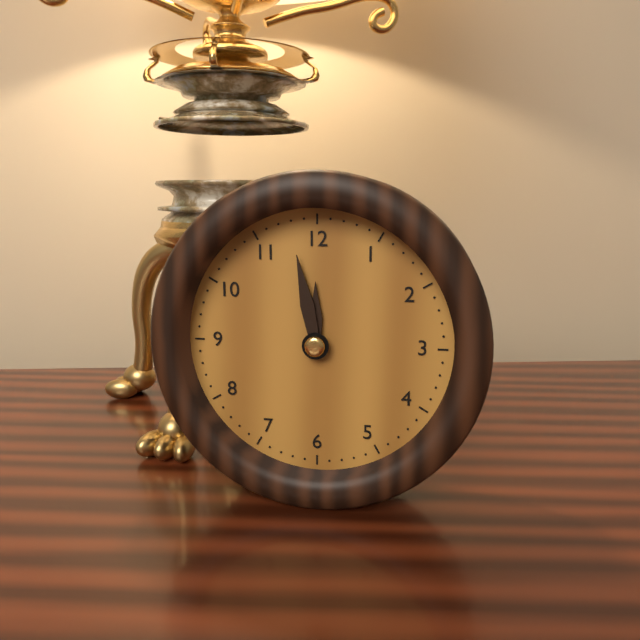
11:58
